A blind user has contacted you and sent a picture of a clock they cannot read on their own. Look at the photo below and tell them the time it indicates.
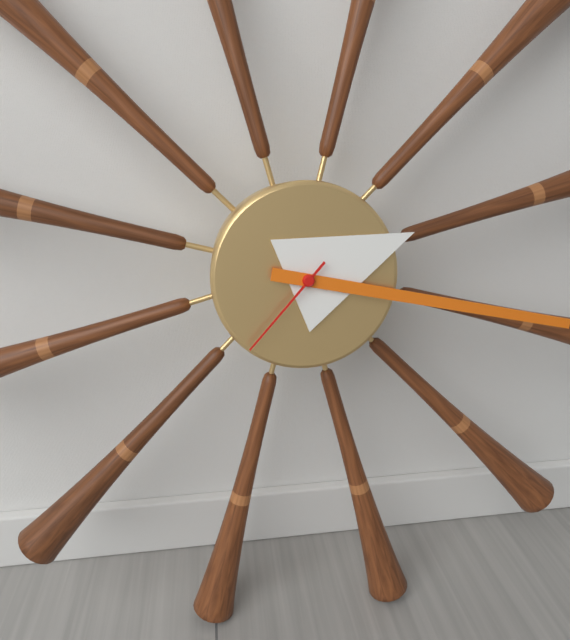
2:17:37
